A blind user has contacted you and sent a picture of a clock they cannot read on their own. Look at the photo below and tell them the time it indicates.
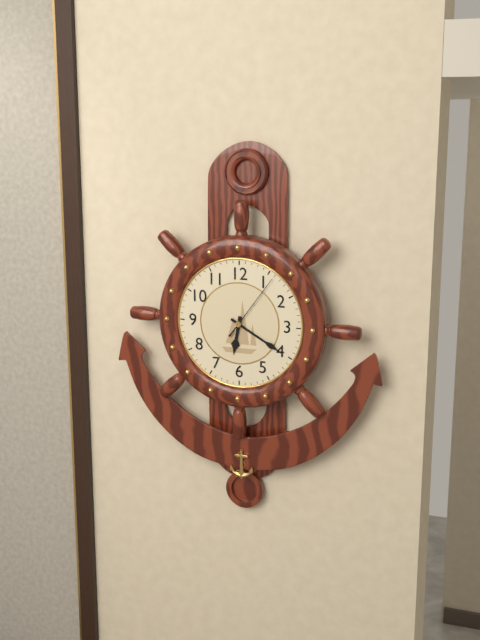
6:20:06
